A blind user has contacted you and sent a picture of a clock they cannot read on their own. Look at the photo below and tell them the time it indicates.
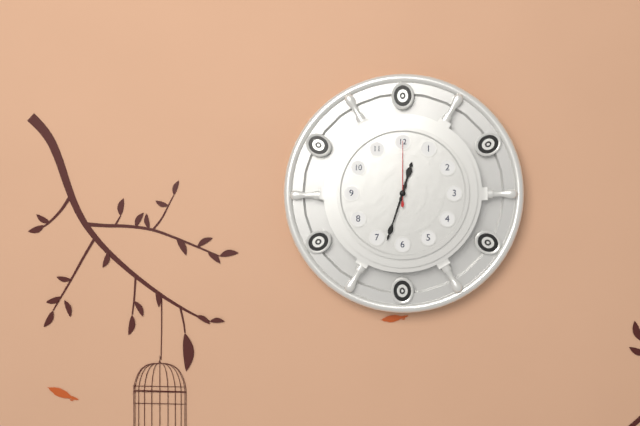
12:33:00
